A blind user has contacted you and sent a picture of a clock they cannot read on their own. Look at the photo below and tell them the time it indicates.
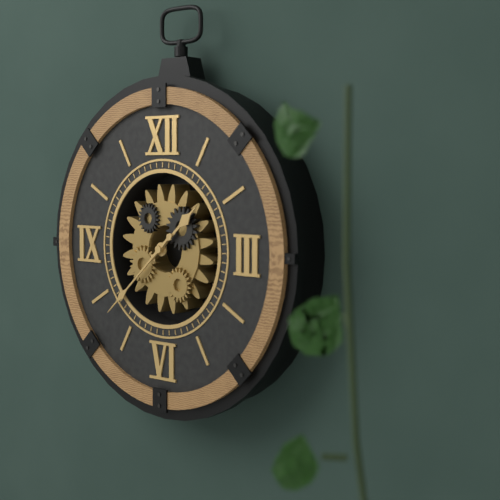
1:38
